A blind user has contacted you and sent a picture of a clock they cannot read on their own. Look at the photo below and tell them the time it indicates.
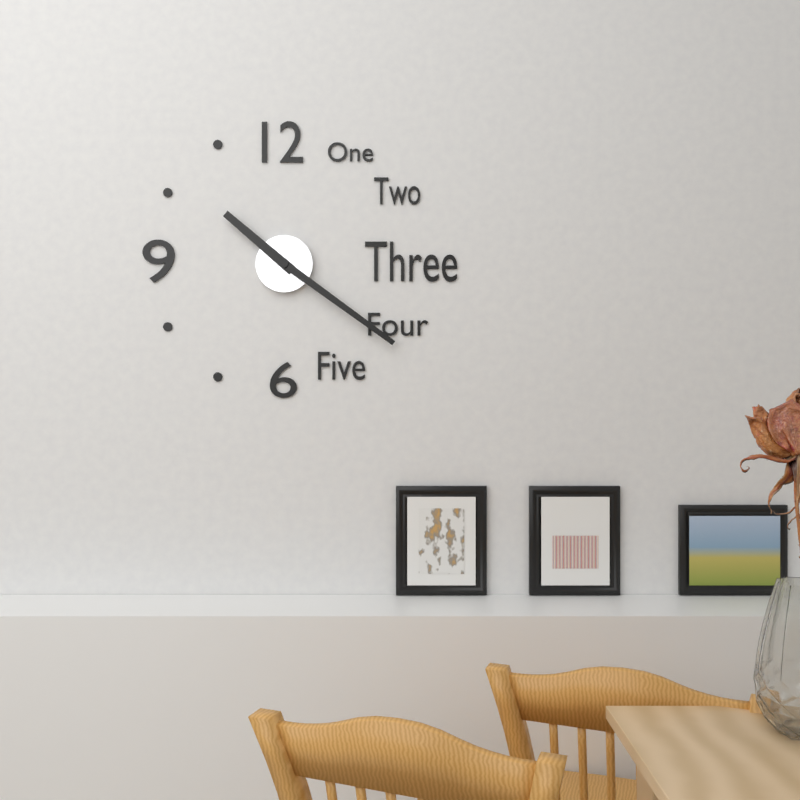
10:21
